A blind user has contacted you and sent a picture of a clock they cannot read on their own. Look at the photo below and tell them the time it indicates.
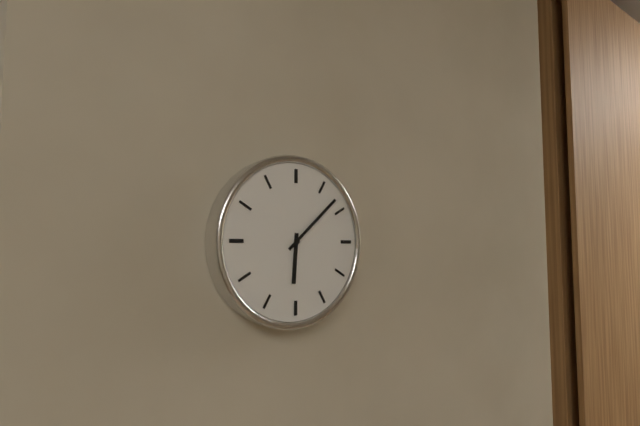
6:08
